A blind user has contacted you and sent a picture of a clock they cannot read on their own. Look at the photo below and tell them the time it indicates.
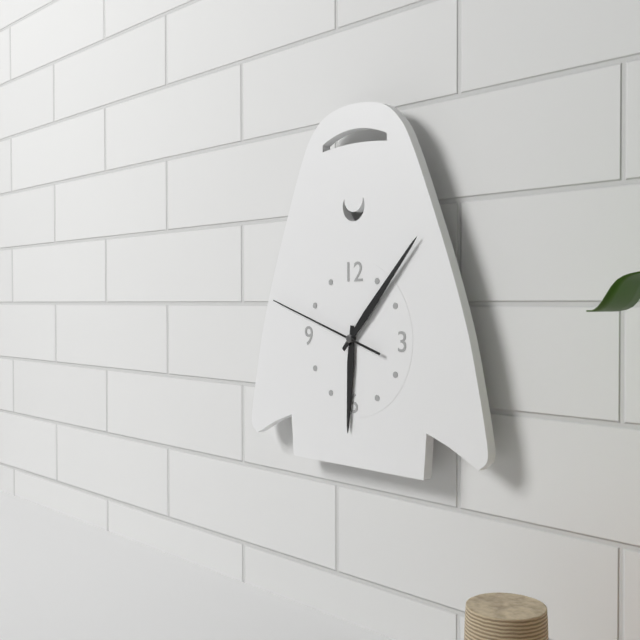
6:07:48
